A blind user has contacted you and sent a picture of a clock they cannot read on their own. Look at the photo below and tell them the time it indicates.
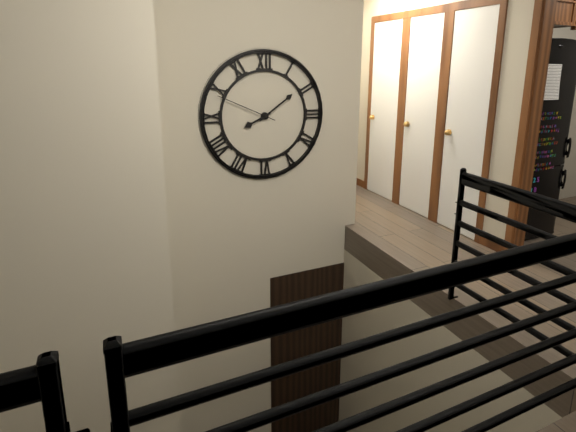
8:09:49
